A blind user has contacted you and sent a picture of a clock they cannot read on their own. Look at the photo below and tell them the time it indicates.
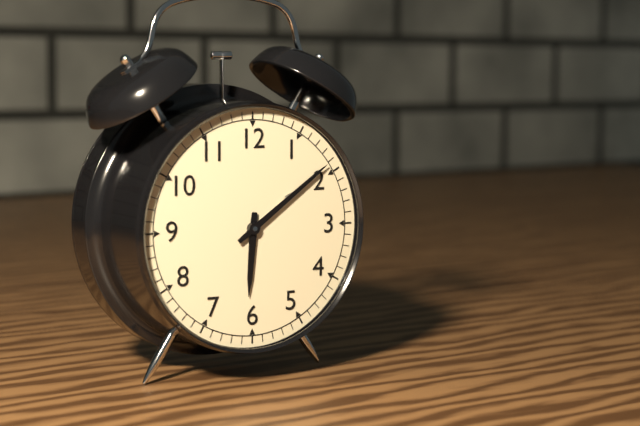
6:09
